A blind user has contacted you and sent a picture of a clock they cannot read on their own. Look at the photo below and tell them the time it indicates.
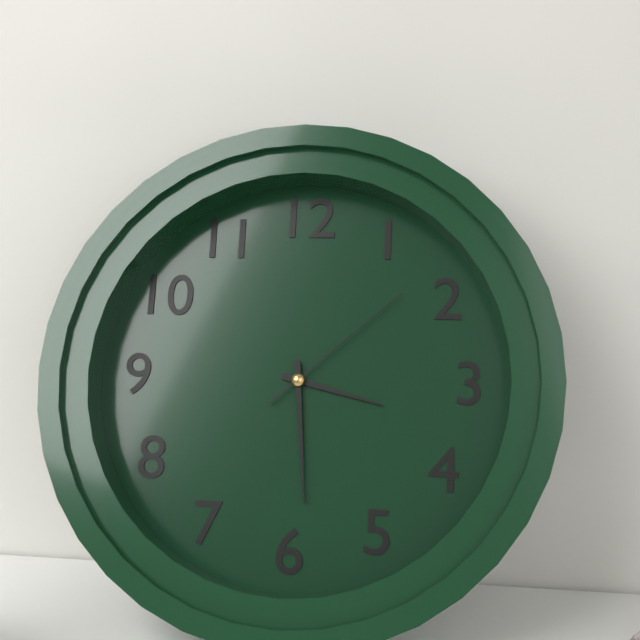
3:29:08
